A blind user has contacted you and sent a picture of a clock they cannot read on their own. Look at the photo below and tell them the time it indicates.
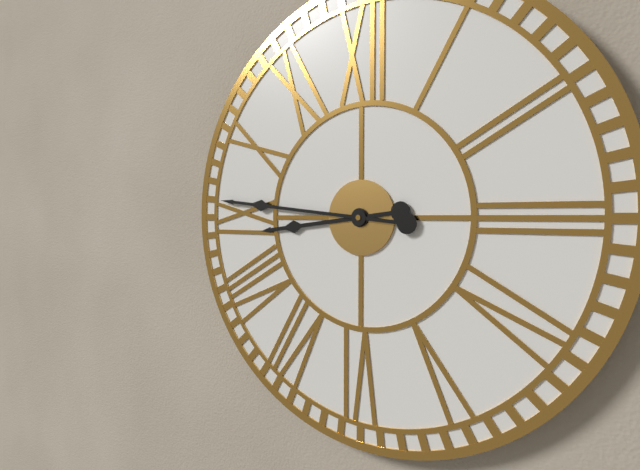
8:46
